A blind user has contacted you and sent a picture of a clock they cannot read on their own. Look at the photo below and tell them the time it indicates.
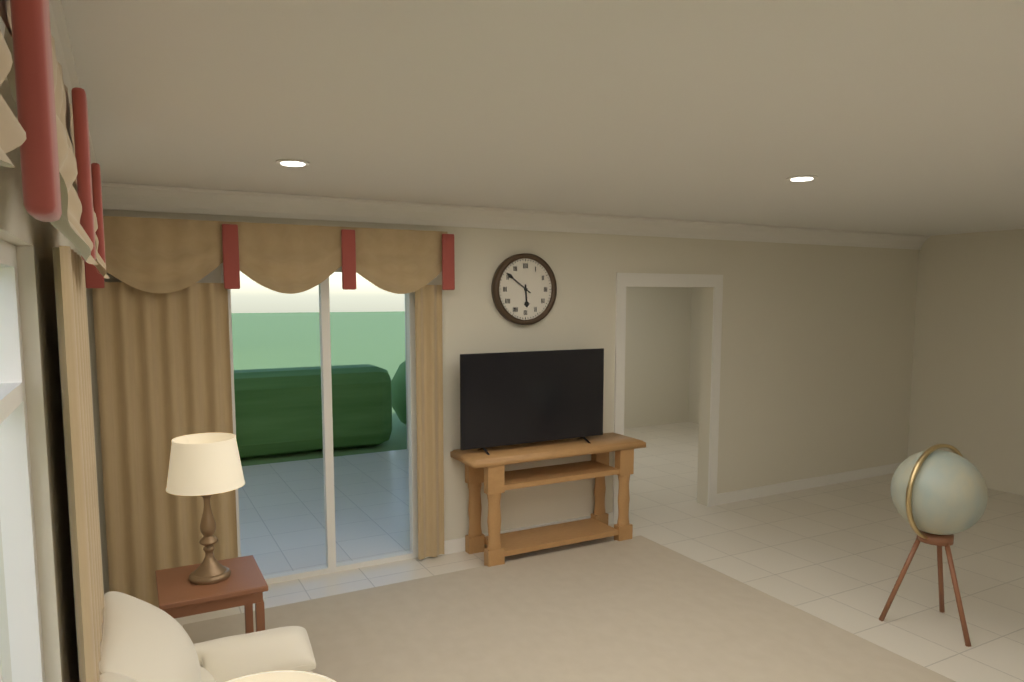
5:51
